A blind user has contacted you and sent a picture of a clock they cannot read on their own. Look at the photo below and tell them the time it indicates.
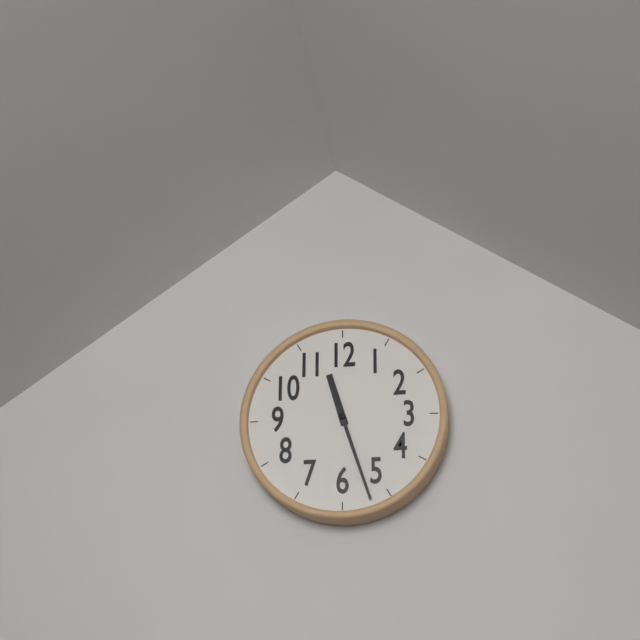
11:27
